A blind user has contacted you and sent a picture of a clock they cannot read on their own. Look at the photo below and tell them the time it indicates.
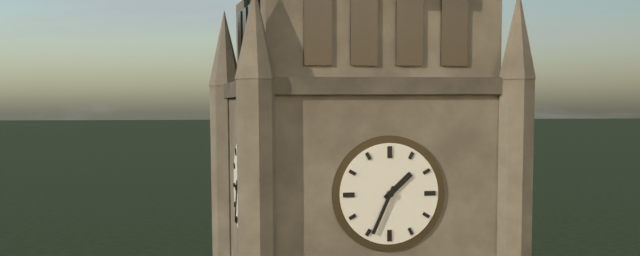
1:34
